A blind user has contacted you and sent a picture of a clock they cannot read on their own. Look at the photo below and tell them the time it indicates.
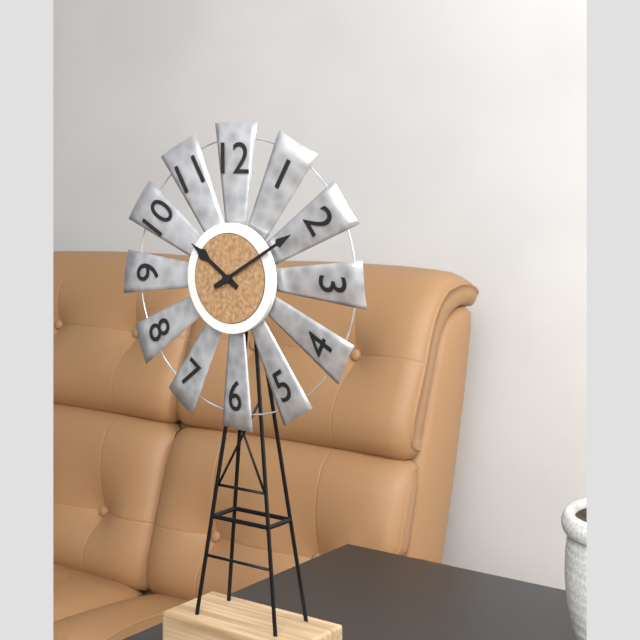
10:10
